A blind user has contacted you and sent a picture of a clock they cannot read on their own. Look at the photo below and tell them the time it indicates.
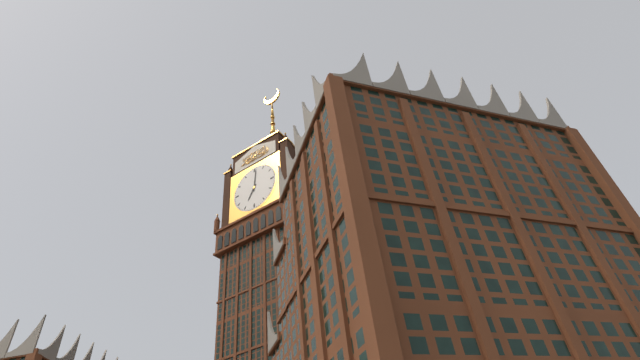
7:01
